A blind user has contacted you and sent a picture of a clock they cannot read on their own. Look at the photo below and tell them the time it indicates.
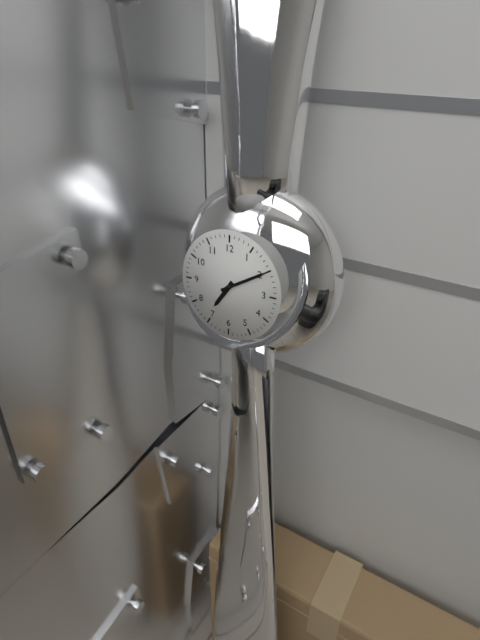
7:10
